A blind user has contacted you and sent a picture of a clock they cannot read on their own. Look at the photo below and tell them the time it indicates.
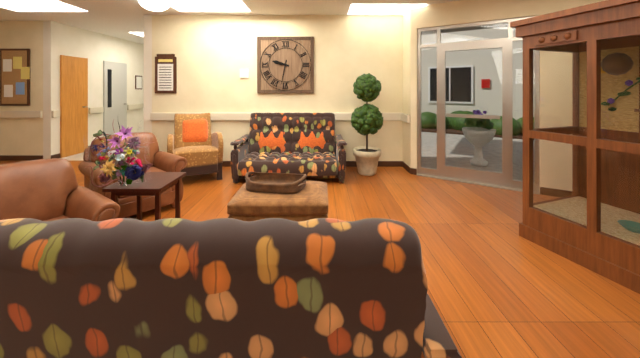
9:32
